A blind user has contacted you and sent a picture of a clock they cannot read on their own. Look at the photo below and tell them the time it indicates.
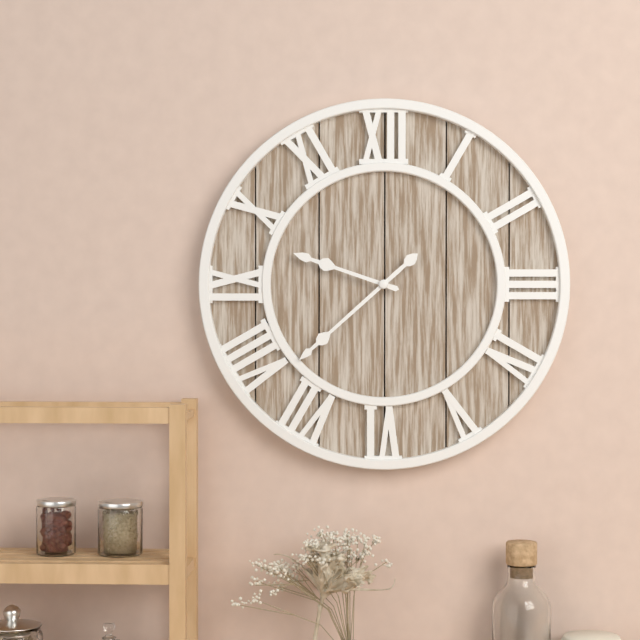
9:38
